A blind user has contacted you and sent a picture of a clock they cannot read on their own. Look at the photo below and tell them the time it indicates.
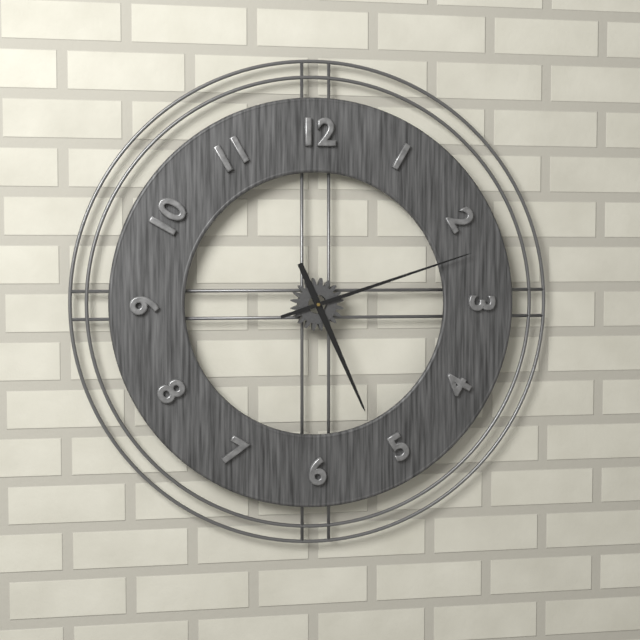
5:12
